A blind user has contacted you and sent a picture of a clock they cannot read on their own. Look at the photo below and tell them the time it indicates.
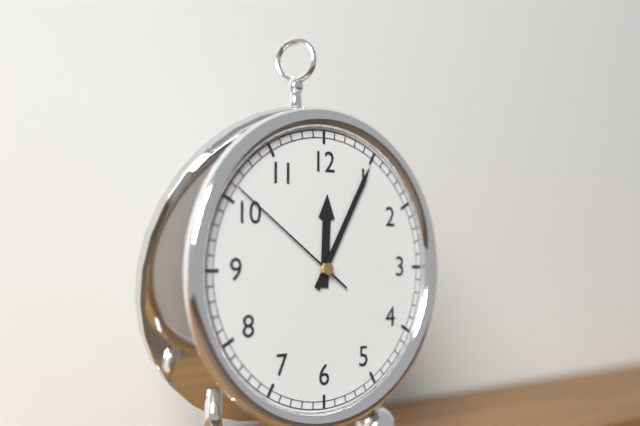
12:05:51
